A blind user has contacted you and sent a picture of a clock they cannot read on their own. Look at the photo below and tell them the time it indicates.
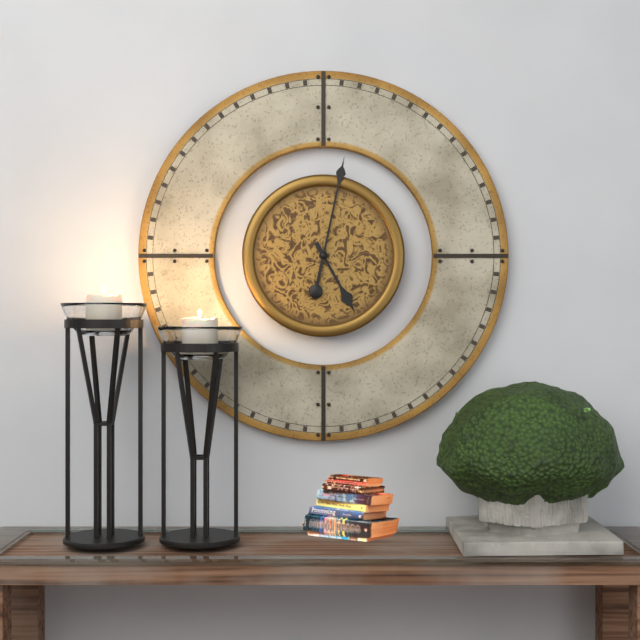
5:02
